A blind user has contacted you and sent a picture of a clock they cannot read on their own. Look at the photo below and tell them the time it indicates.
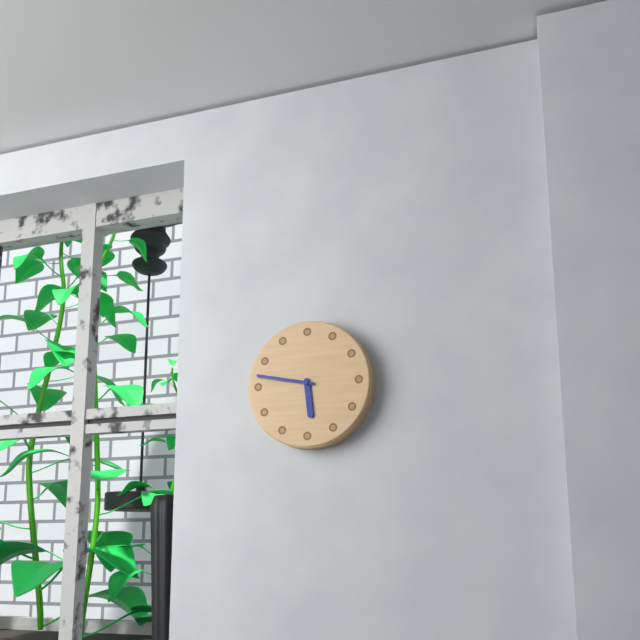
5:47
